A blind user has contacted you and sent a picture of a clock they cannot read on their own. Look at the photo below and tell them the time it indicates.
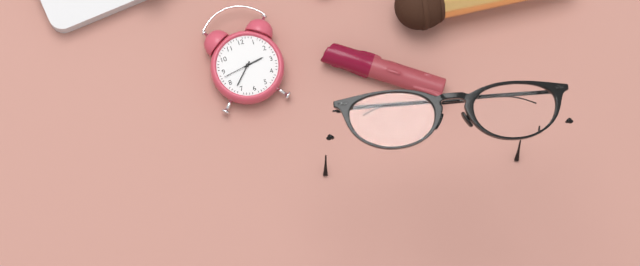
2:37
